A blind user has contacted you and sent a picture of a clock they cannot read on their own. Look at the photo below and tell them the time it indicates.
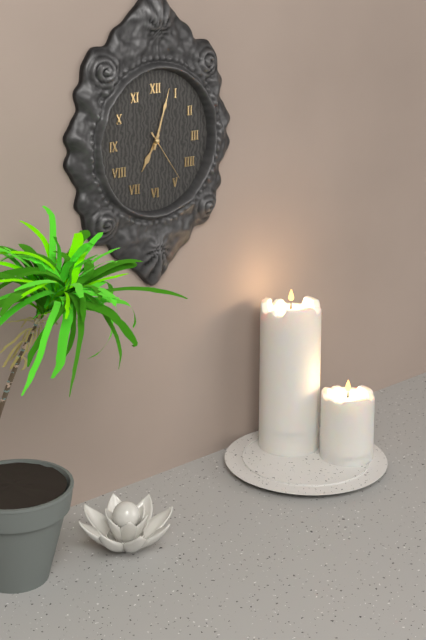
7:03:24
